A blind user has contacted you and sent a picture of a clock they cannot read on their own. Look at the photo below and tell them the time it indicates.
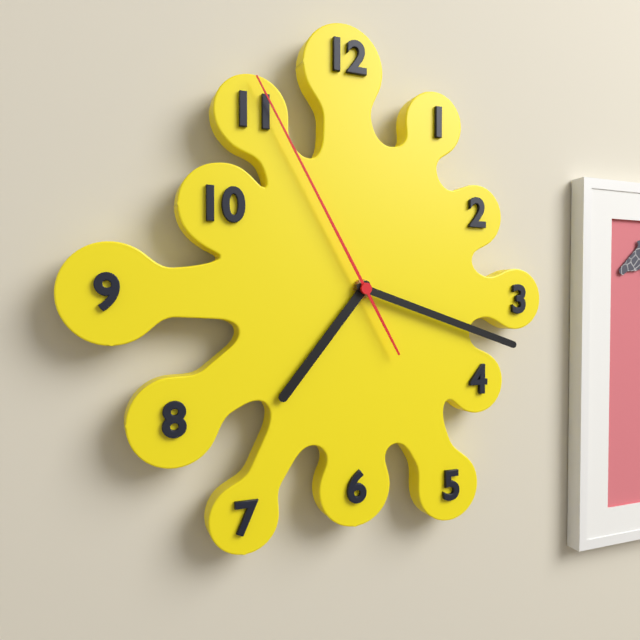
7:18:55
